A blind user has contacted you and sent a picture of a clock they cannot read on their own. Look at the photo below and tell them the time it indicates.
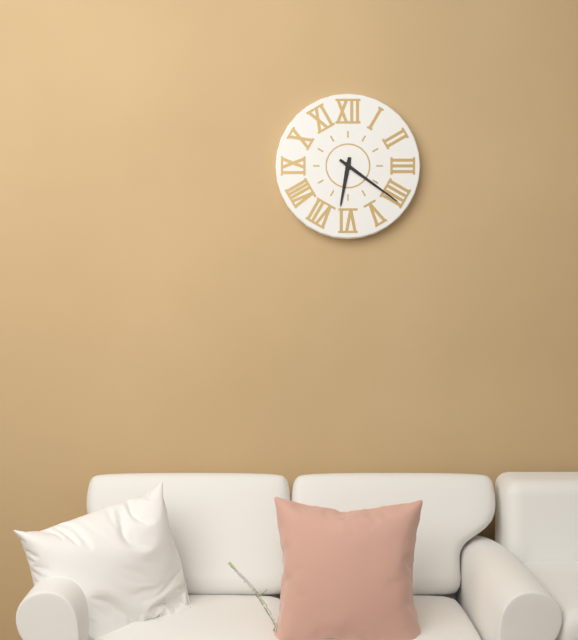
6:21
